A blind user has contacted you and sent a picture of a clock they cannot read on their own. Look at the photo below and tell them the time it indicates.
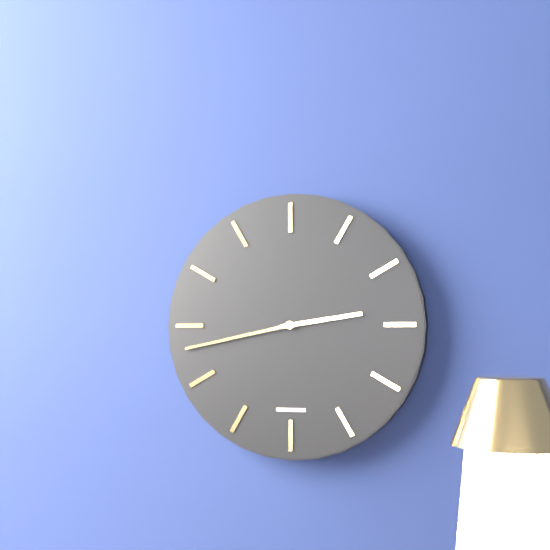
2:43
